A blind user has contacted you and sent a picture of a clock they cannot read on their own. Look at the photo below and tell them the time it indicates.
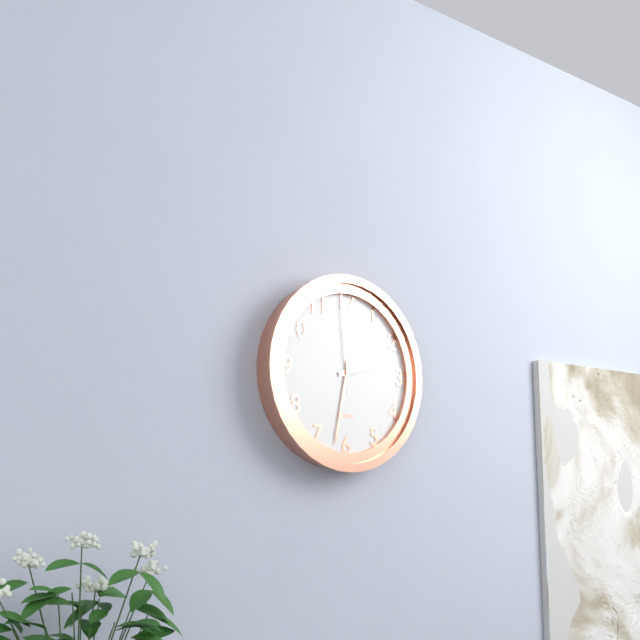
2:32:59
